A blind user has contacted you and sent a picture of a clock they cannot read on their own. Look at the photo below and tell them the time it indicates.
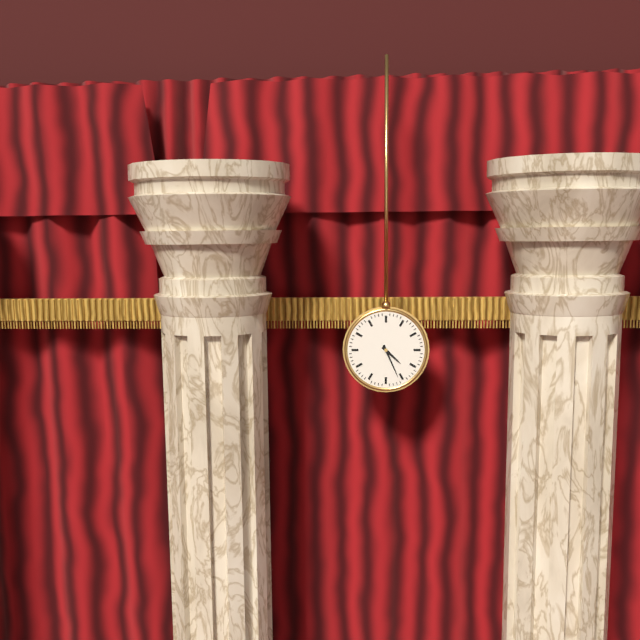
4:26
